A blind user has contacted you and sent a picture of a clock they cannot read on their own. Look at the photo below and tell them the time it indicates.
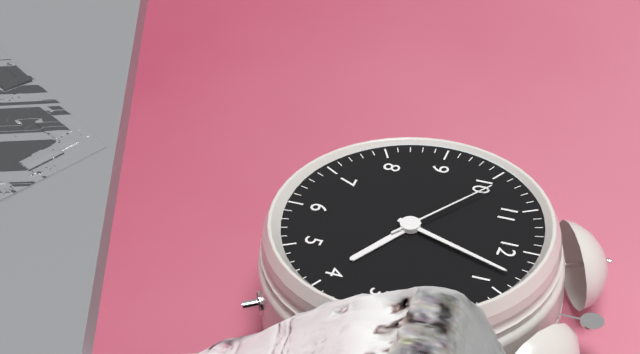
4:03:51
